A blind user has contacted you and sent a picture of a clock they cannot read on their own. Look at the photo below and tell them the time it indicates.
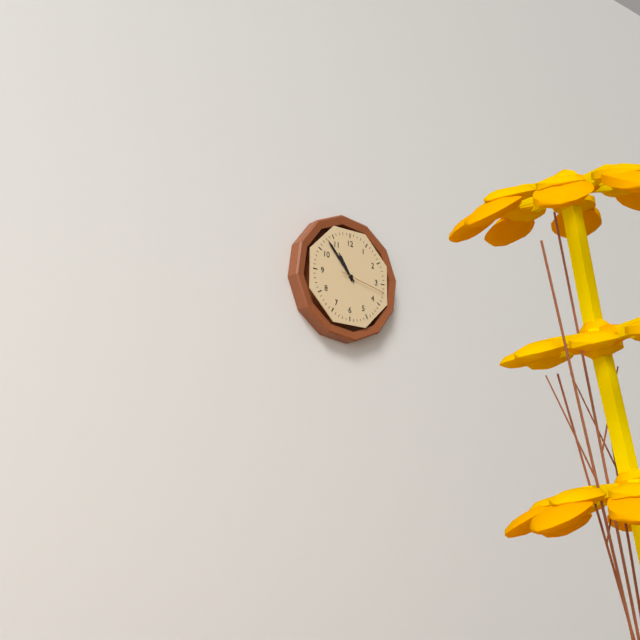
10:53
